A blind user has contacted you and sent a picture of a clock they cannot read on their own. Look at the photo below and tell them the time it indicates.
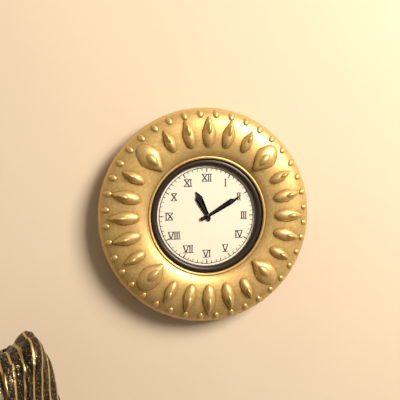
11:10
